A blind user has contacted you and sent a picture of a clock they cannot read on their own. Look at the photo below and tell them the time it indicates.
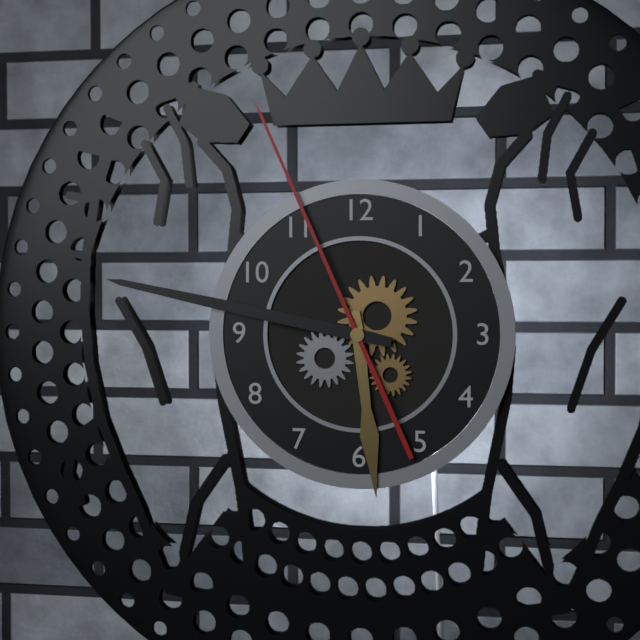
5:47:56
